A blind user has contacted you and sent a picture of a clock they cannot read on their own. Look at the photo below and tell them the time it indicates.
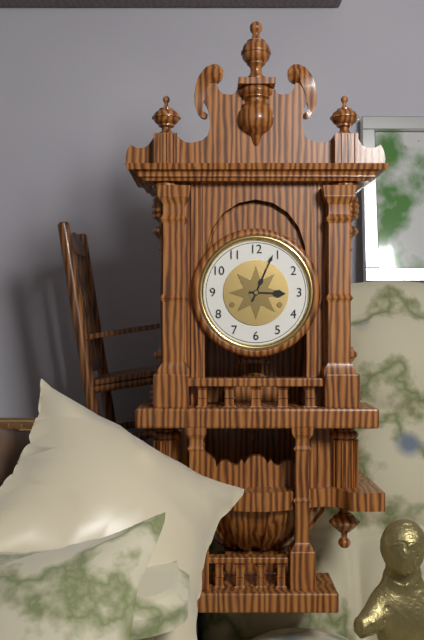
3:04
